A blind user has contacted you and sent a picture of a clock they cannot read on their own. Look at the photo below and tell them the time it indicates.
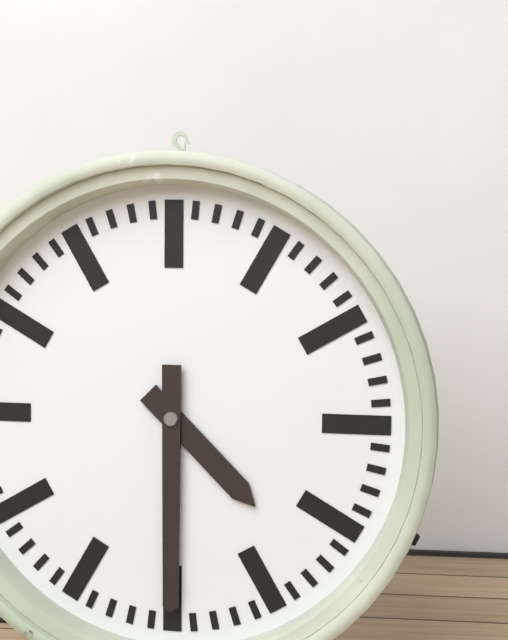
4:30
